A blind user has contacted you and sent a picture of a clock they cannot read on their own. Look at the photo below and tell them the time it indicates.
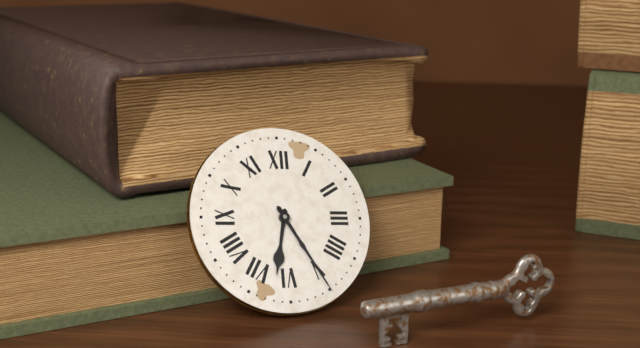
6:25
